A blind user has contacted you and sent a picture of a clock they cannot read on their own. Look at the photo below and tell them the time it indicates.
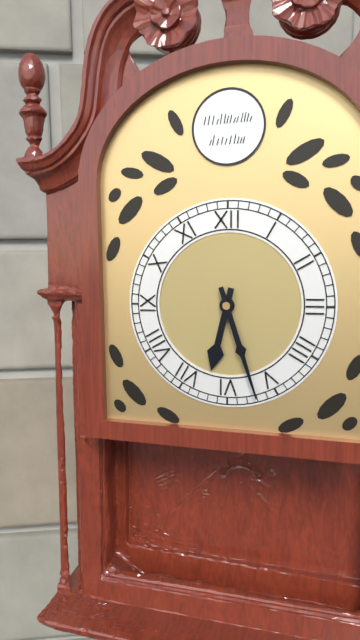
6:27
